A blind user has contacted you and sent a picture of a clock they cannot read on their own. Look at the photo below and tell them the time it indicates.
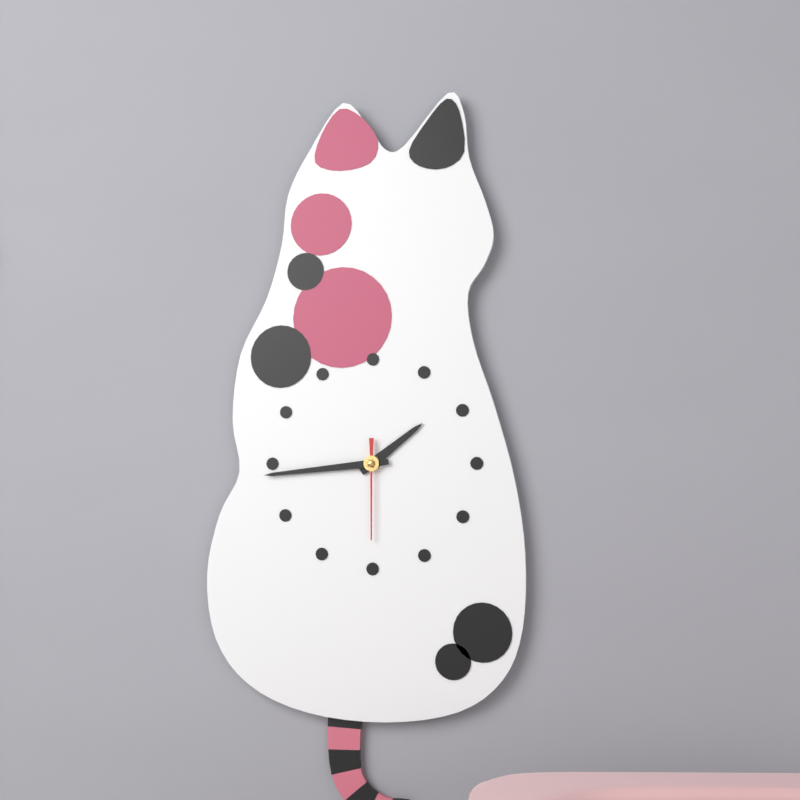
1:44:30
